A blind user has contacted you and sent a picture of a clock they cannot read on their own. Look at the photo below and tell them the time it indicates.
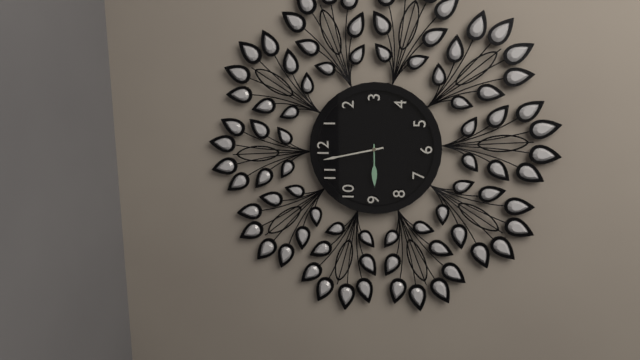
8:58
